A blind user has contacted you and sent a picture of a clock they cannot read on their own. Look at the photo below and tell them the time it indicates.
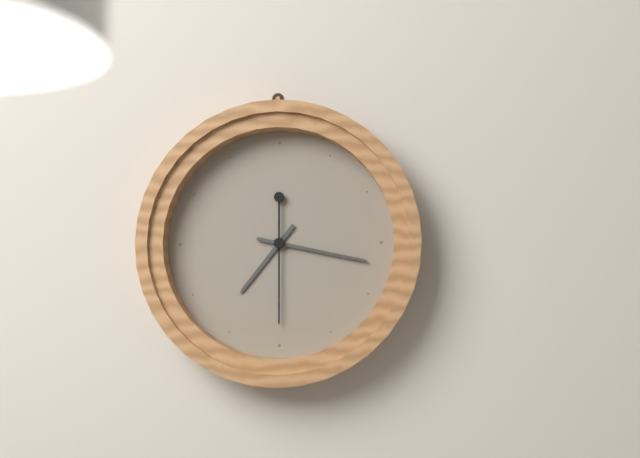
7:17:30
